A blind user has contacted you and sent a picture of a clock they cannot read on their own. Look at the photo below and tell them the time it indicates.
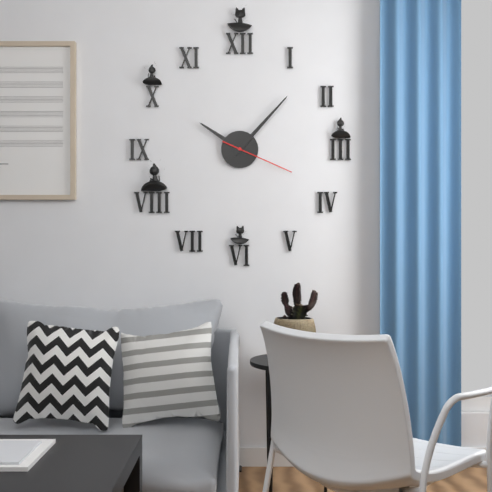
10:07:19
